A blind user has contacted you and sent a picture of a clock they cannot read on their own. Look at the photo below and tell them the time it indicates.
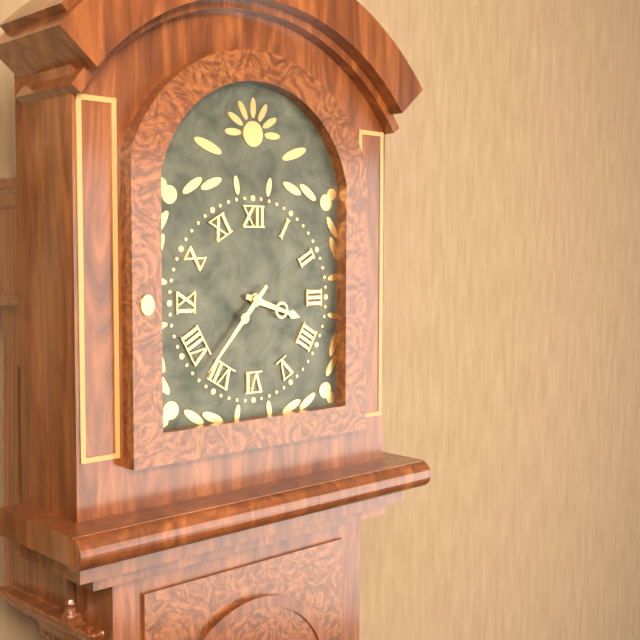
3:37
